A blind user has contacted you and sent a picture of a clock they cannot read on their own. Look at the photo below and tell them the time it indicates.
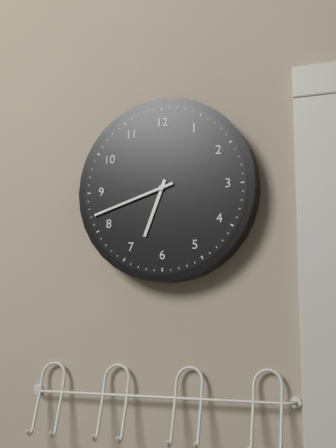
6:42
